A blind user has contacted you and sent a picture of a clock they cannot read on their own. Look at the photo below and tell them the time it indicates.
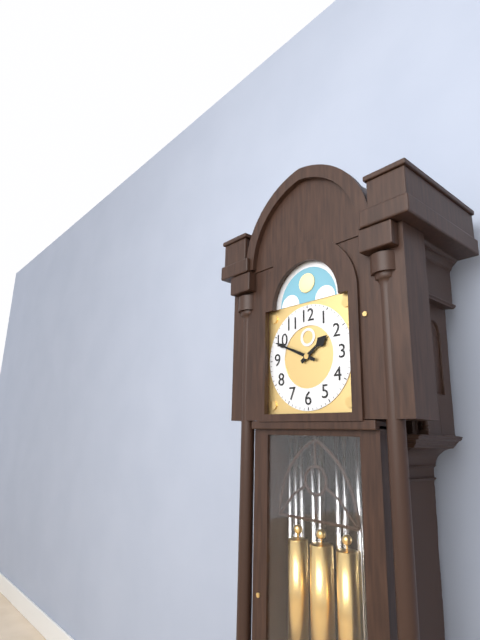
1:49
